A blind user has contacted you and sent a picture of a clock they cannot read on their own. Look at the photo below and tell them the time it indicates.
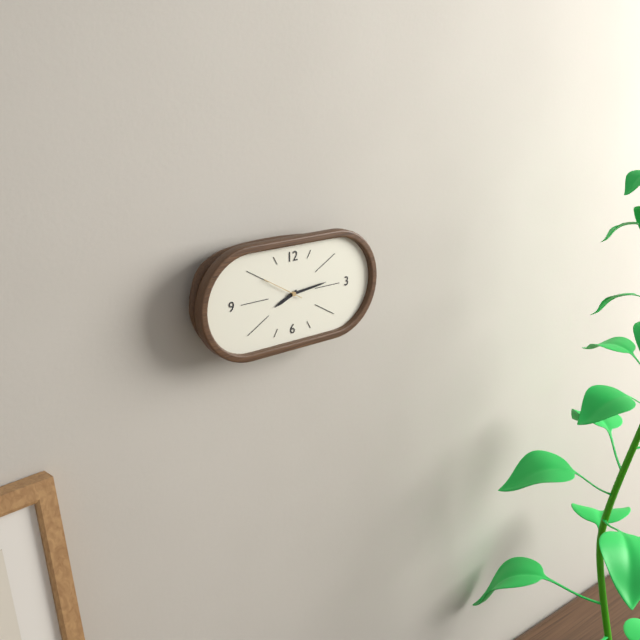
8:14
